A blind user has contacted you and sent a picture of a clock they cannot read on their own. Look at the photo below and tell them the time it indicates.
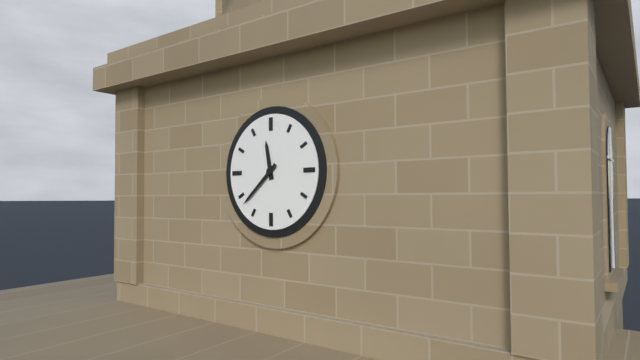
11:38
